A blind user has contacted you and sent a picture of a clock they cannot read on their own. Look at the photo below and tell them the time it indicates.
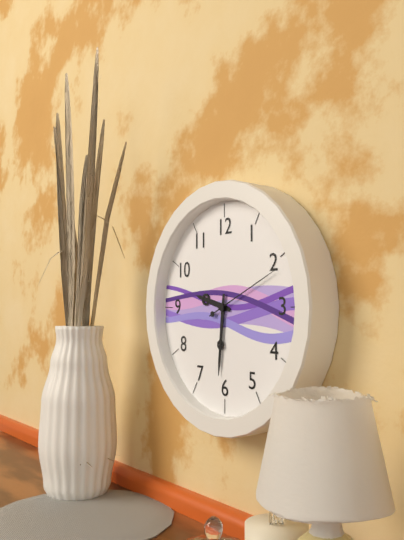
9:31:11
